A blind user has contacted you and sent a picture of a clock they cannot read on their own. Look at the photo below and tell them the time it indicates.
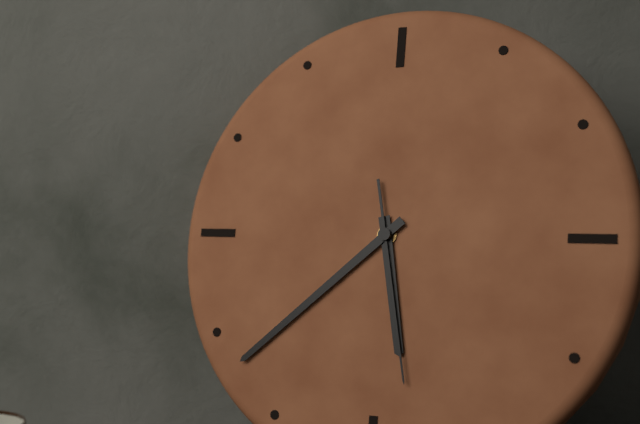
5:38:28
